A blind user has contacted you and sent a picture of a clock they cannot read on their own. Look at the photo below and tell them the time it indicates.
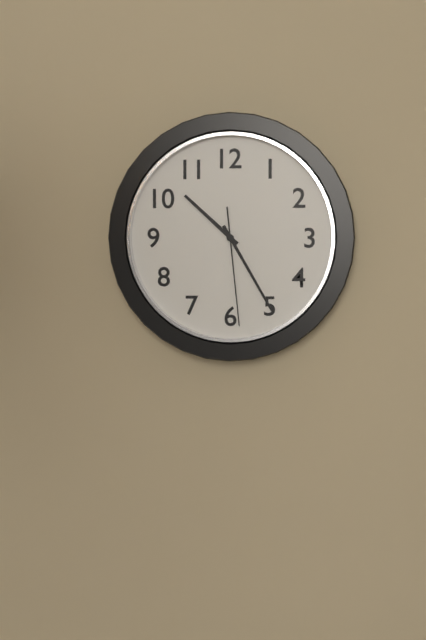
10:25:29
